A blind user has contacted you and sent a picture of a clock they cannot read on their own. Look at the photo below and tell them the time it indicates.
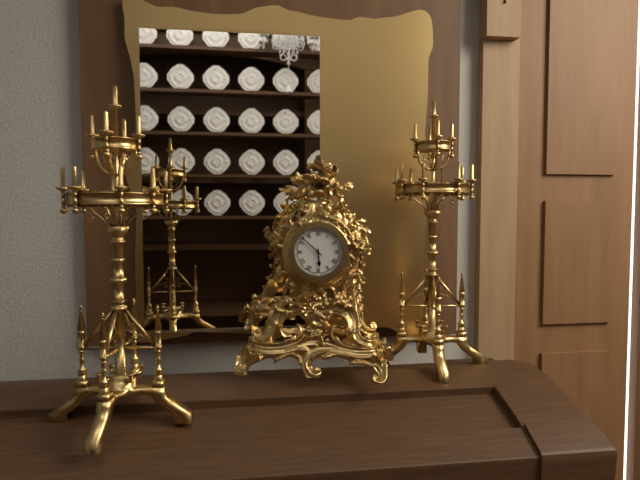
5:52
